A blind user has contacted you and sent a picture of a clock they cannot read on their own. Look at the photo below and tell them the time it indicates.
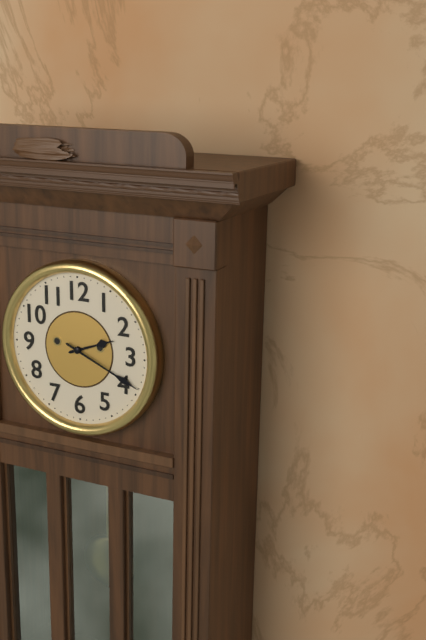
2:19
